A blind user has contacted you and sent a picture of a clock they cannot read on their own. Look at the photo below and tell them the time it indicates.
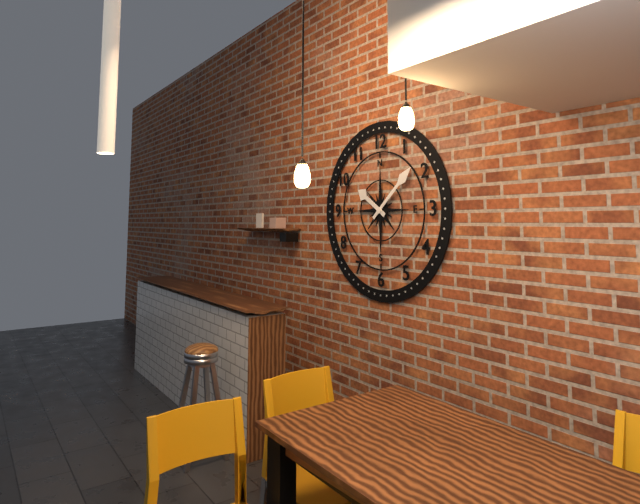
10:08
